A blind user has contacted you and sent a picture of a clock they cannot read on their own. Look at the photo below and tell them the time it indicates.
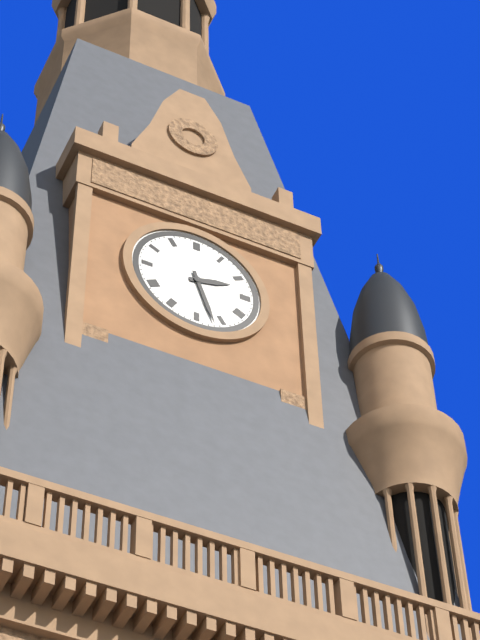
2:27
